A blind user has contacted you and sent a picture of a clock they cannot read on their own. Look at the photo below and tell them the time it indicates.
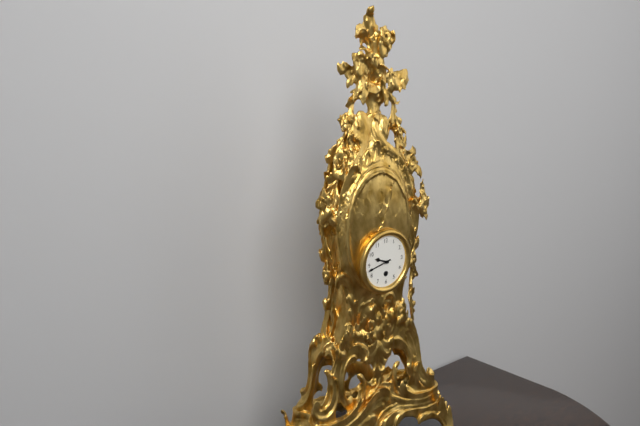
9:43
